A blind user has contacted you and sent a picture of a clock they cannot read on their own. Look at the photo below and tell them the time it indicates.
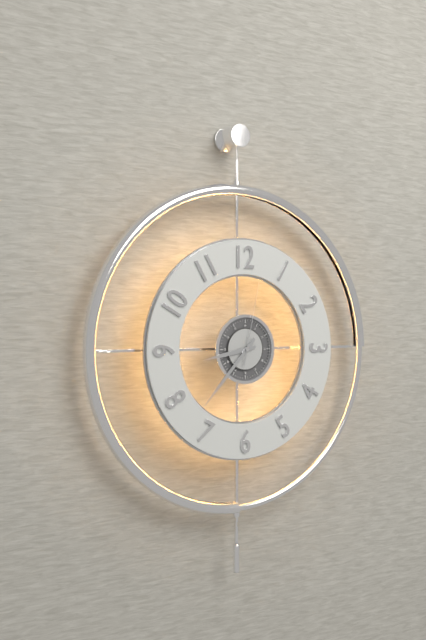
8:37:02
